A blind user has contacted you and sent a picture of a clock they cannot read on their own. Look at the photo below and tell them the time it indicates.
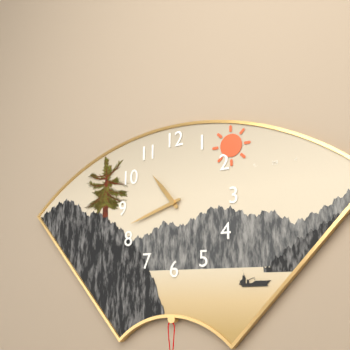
10:42
